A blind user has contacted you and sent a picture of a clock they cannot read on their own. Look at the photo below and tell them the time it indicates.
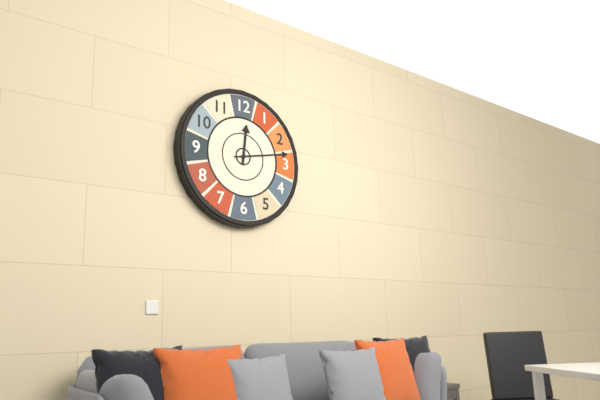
12:13
